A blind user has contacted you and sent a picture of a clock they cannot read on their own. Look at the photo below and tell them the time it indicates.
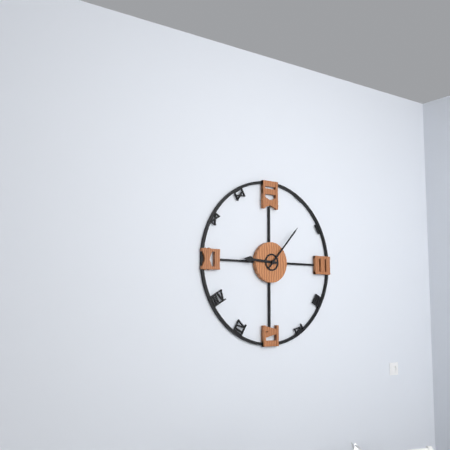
9:07
